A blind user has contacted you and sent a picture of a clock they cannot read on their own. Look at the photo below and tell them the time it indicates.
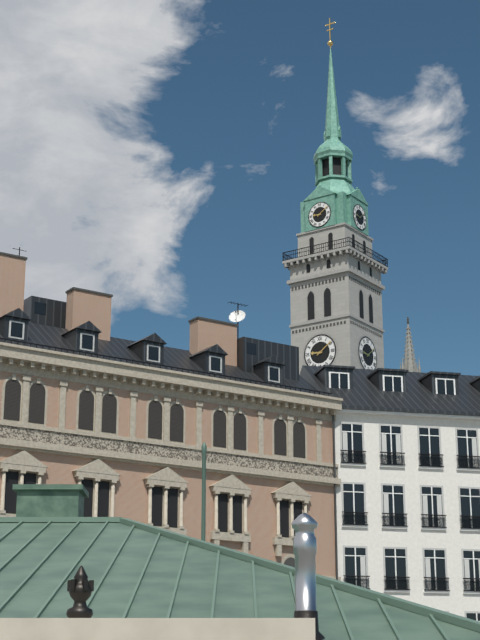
9:09
